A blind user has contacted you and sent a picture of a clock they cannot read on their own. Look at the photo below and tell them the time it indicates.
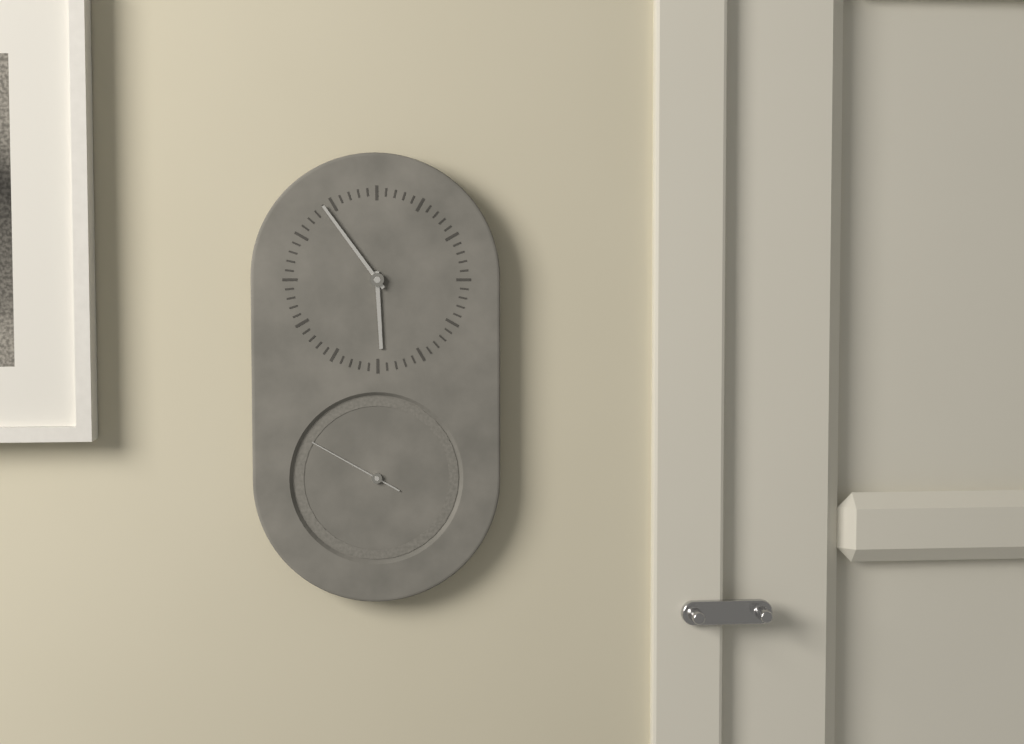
5:54:50
